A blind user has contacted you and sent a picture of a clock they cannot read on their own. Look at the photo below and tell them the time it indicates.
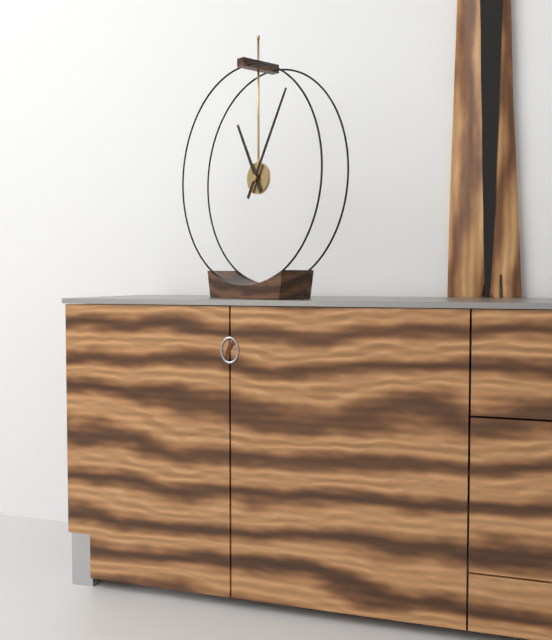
11:05
